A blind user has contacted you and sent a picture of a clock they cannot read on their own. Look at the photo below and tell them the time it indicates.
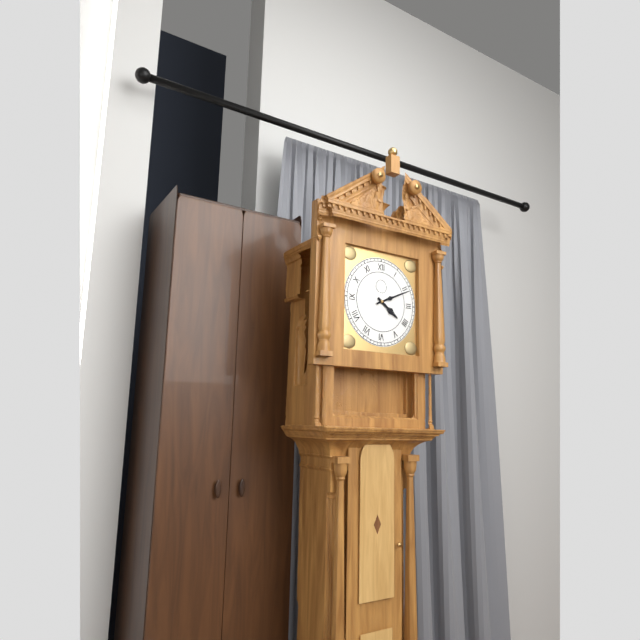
4:11
